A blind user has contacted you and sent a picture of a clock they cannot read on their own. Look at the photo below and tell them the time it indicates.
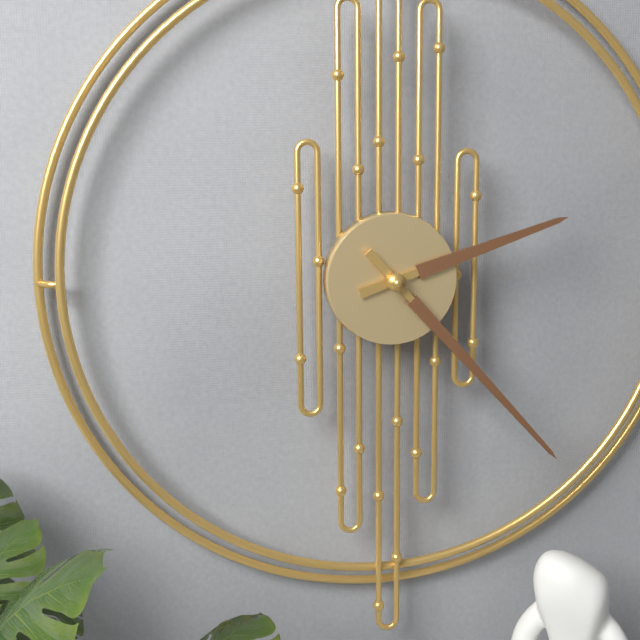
2:23
